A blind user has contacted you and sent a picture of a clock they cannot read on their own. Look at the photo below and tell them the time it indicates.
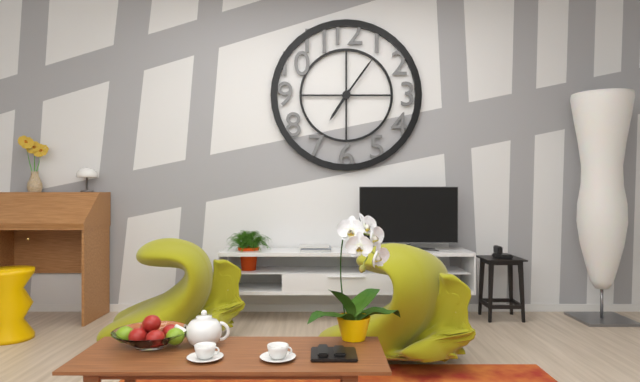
7:06
